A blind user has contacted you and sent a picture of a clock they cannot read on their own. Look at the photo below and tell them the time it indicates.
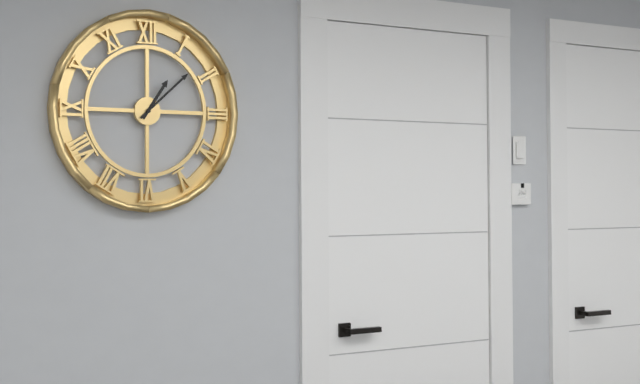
1:08
